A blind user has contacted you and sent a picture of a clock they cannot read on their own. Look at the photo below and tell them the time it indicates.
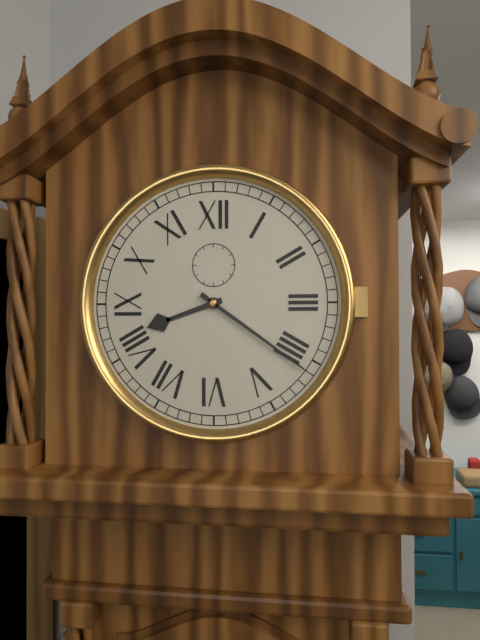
8:21
